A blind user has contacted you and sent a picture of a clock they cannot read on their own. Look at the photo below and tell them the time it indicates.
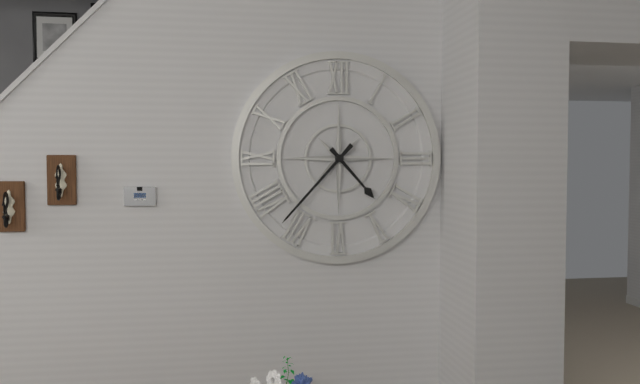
4:37
